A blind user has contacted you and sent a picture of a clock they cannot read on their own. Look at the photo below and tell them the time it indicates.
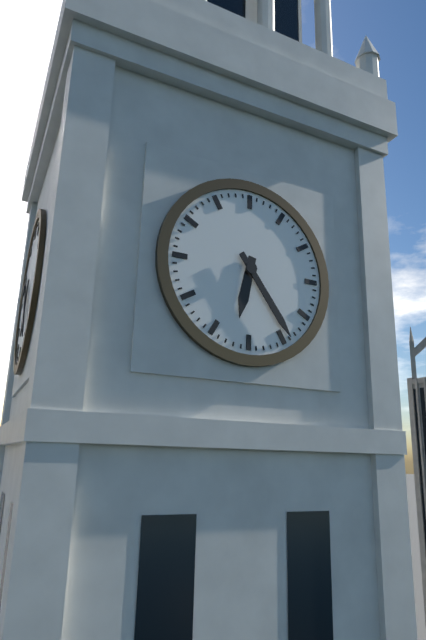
6:24
